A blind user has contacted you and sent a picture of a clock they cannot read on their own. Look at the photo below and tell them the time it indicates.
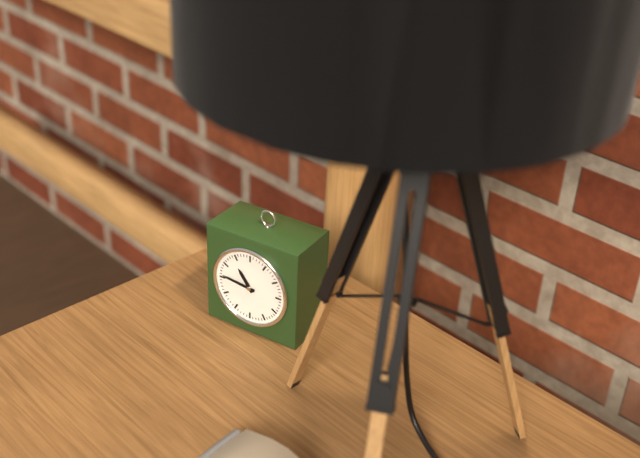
10:46
